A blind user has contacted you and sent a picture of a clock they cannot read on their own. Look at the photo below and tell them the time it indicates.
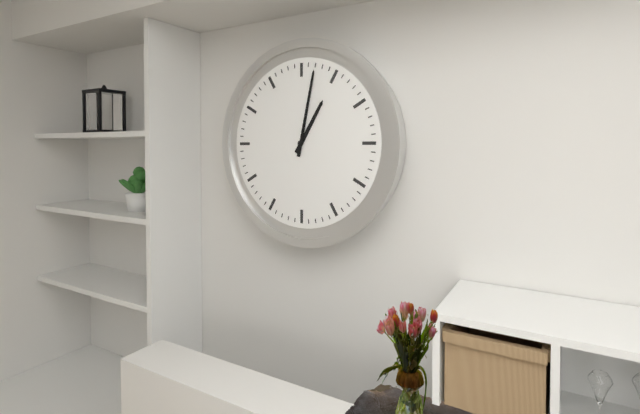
1:02
